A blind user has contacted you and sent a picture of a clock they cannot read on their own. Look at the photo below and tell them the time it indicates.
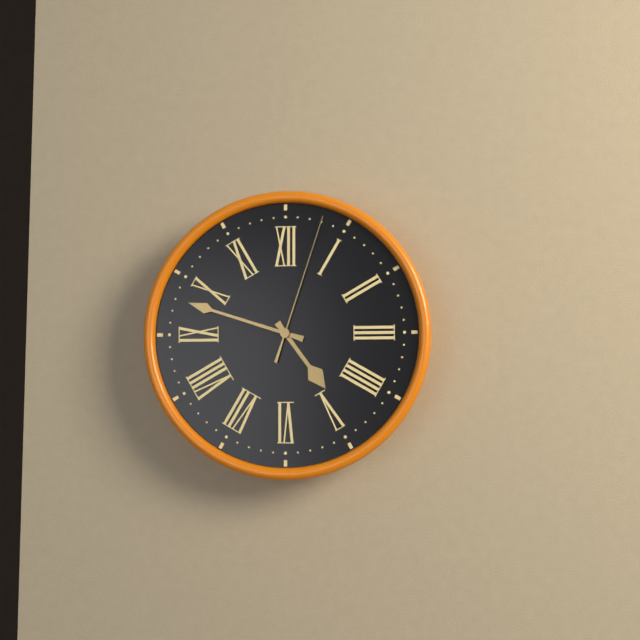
4:48:03
